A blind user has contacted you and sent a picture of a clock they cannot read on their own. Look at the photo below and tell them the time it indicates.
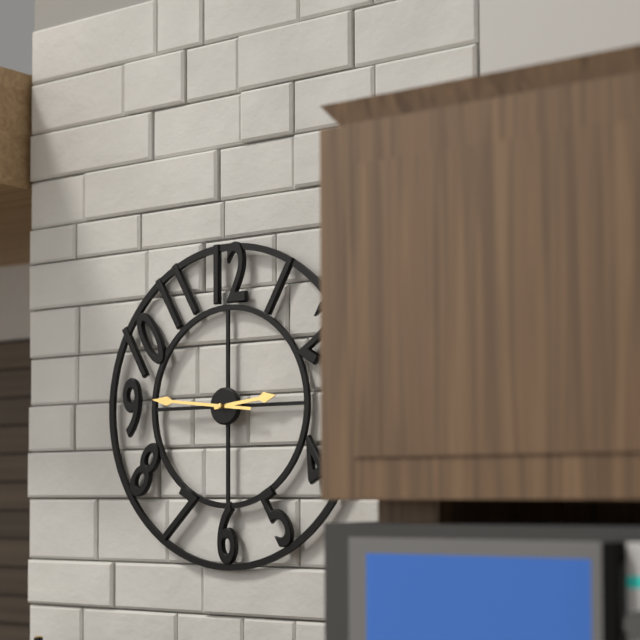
2:46
